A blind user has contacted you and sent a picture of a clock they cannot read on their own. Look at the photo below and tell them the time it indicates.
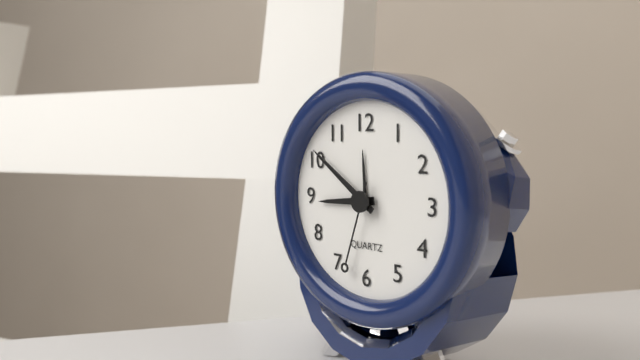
8:51:33
